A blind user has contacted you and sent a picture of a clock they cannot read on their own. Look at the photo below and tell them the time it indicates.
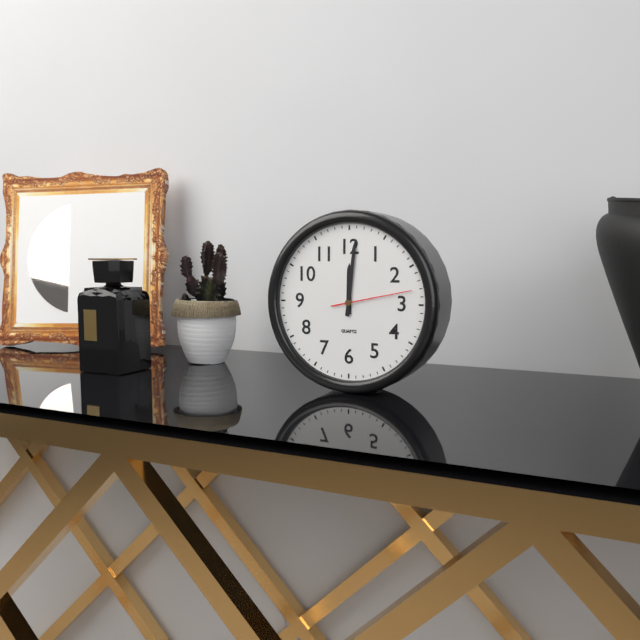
12:01:13
